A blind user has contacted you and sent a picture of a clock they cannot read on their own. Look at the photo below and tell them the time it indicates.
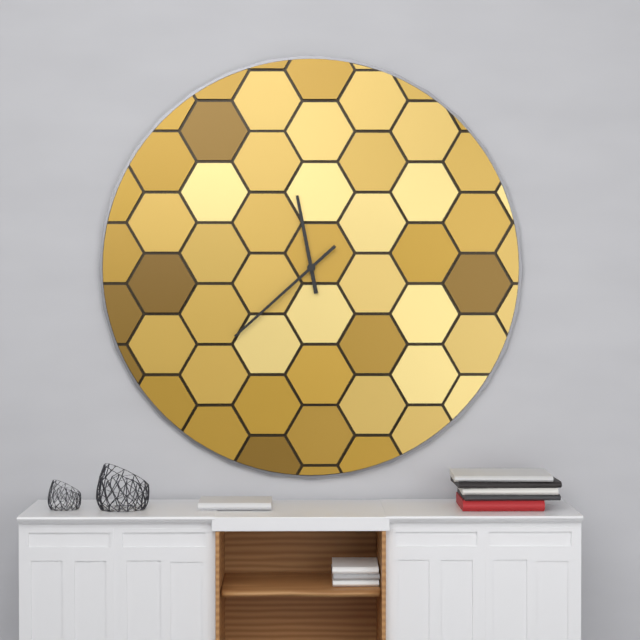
11:38
